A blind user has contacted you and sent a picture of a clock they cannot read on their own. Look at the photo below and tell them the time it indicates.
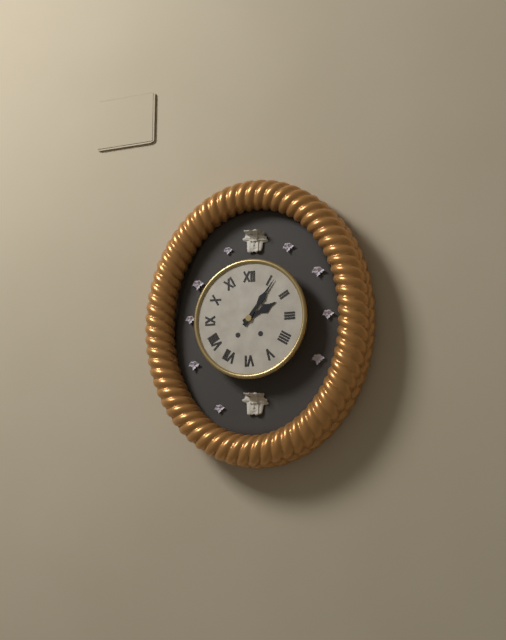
2:06
